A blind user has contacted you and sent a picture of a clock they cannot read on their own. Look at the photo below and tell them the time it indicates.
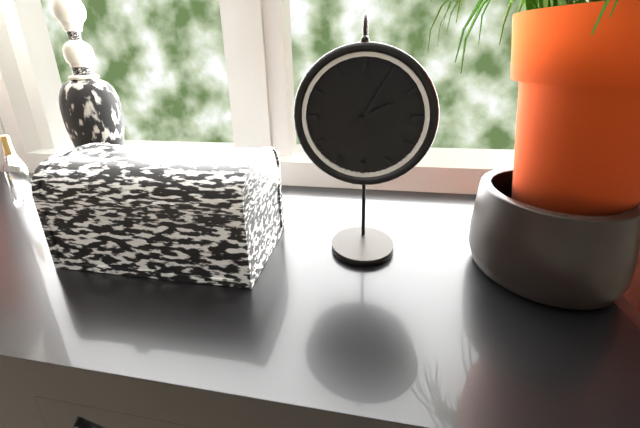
2:05
